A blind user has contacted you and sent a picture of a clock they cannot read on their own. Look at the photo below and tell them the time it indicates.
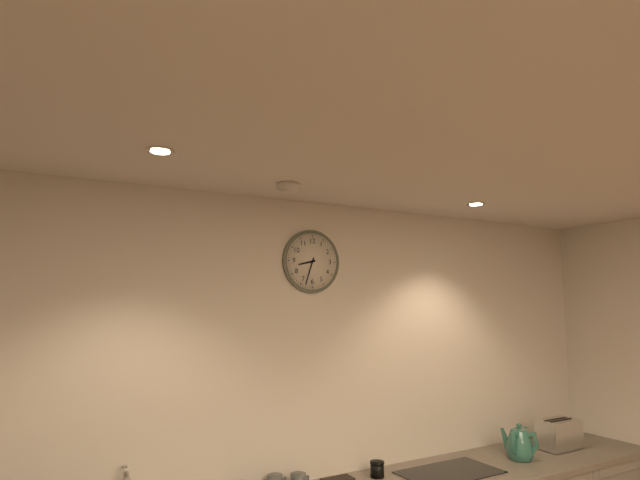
8:33
